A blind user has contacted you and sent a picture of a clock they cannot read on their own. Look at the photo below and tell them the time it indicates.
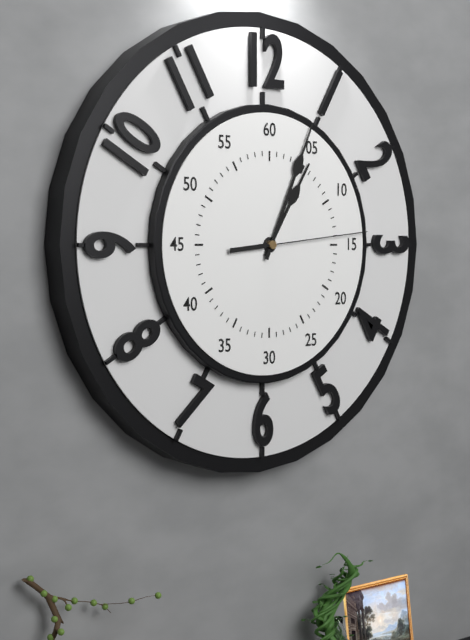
1:04:14
